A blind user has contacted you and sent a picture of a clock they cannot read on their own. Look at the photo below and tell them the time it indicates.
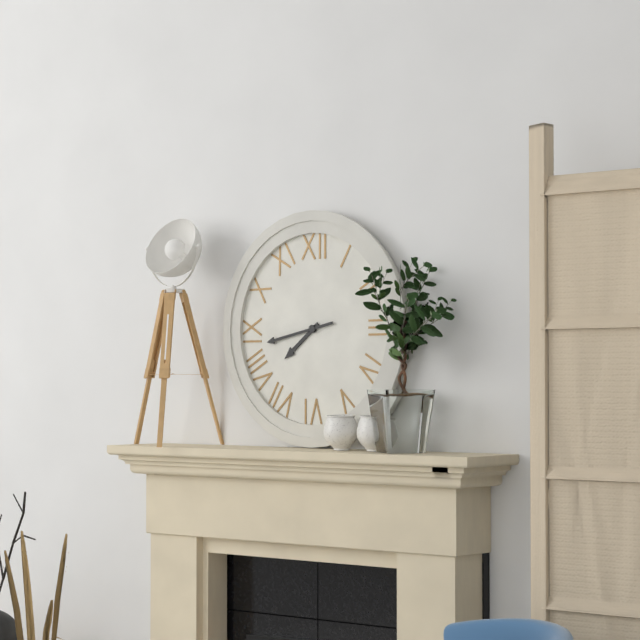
7:43
